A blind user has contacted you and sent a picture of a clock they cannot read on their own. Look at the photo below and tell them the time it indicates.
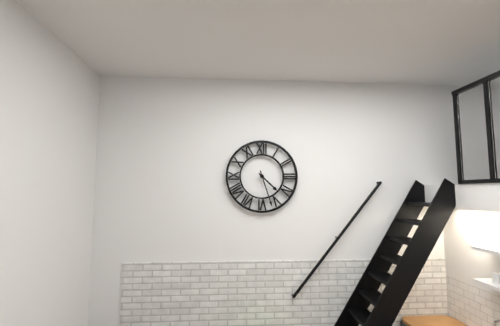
4:27
